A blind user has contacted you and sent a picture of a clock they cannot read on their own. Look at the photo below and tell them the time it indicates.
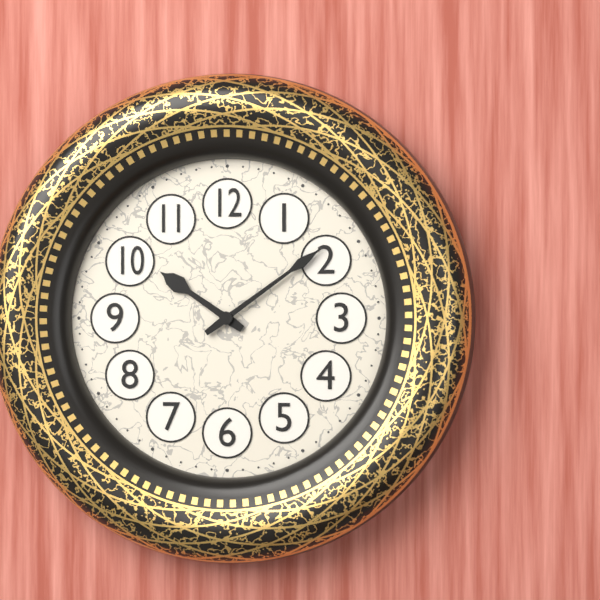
10:09
